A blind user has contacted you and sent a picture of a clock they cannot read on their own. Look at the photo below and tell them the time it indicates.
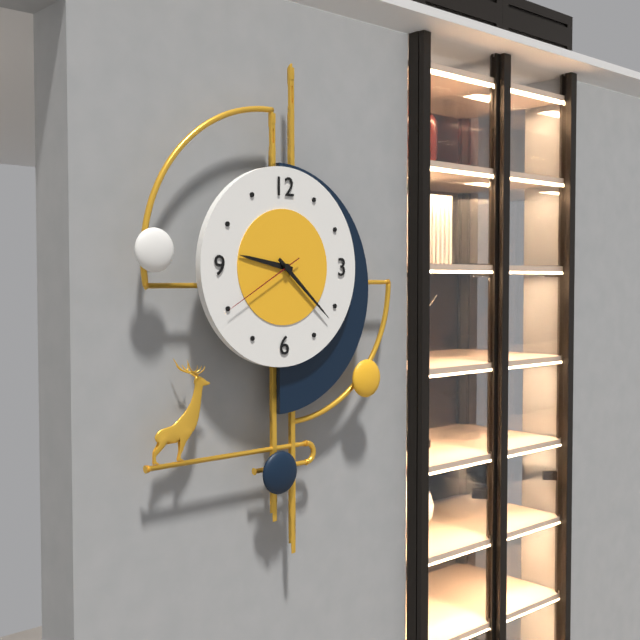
9:22:40
